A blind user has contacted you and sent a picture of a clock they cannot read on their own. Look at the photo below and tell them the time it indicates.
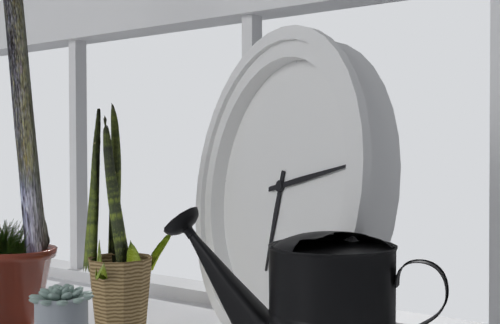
6:13
